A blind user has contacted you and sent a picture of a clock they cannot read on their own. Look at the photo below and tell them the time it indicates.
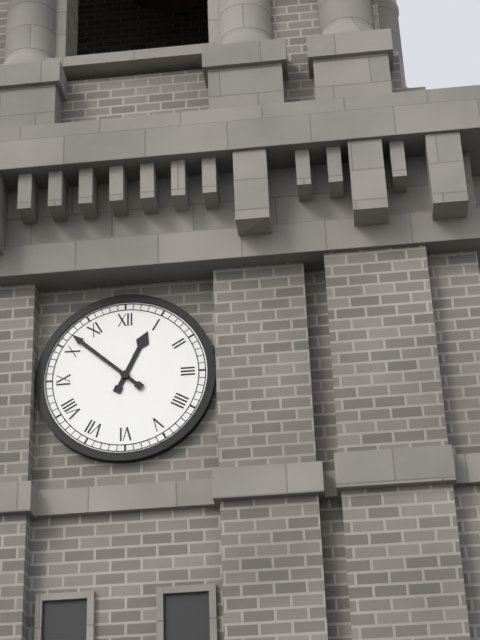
12:52
